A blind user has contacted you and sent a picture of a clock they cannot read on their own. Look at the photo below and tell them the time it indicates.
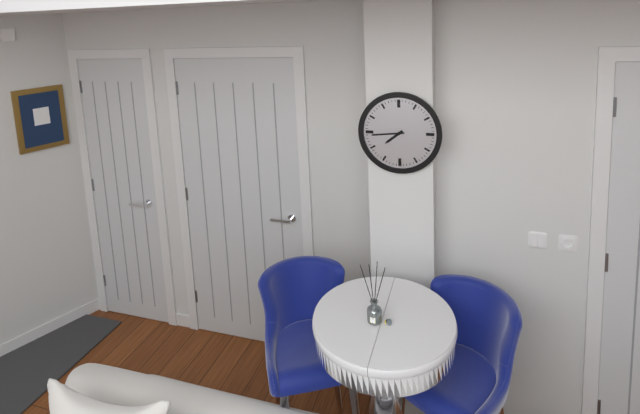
7:44
